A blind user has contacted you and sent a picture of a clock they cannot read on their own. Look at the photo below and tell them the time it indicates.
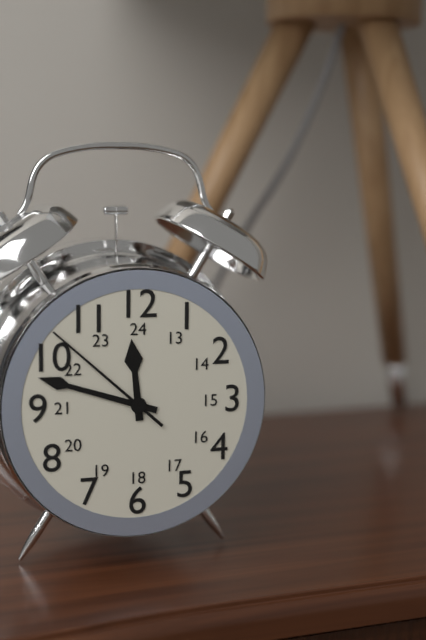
11:48:52
